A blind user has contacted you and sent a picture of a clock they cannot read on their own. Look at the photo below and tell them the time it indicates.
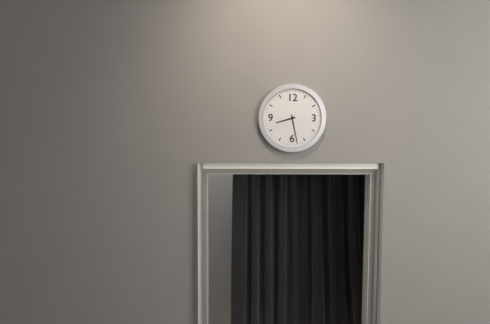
8:28
